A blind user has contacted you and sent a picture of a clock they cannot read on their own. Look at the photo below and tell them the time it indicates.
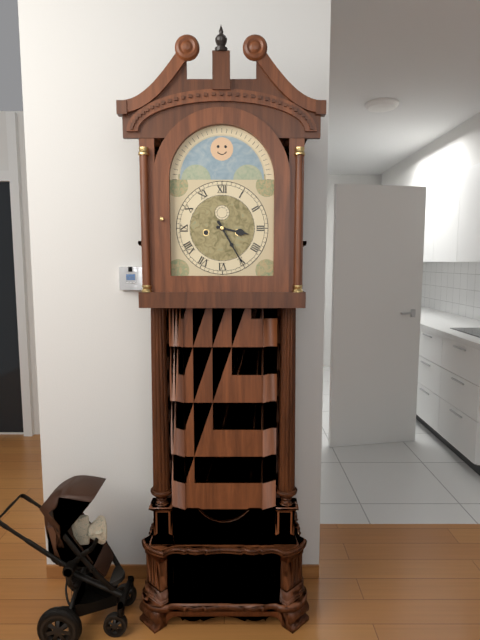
3:25
